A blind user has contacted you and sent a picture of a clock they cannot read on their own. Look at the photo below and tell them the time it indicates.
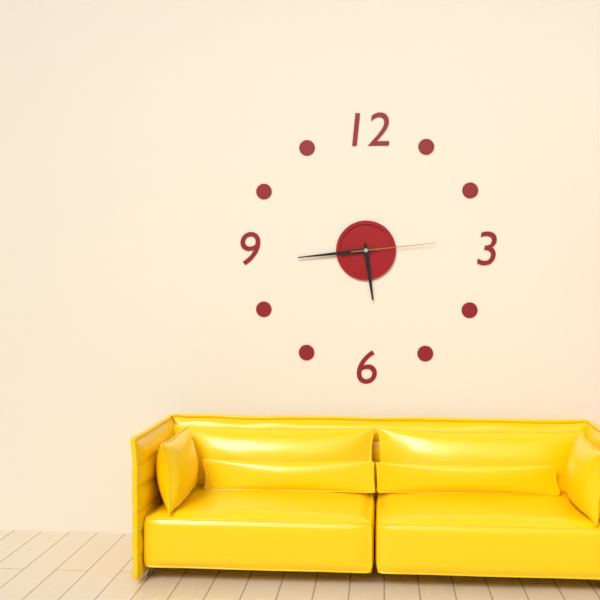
5:44:14
